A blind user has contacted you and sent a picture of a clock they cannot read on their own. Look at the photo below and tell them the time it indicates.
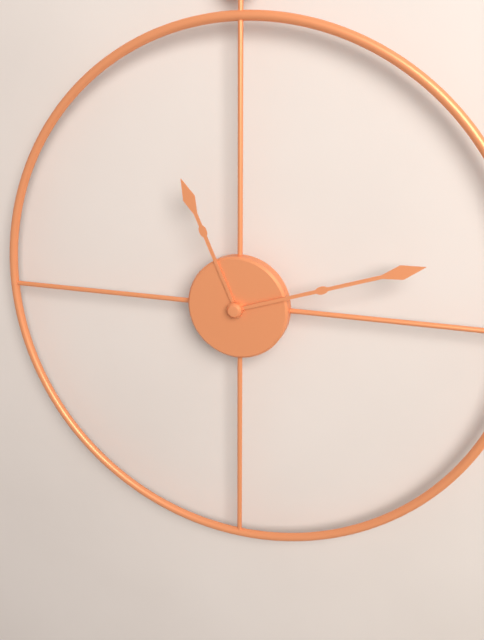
11:12
